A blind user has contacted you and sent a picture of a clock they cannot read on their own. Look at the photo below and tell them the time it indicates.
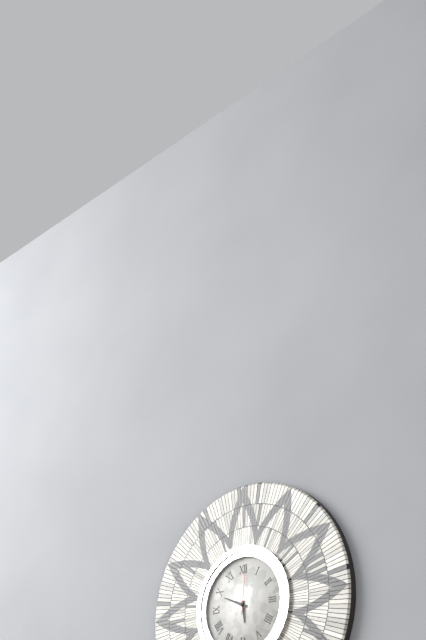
5:49
